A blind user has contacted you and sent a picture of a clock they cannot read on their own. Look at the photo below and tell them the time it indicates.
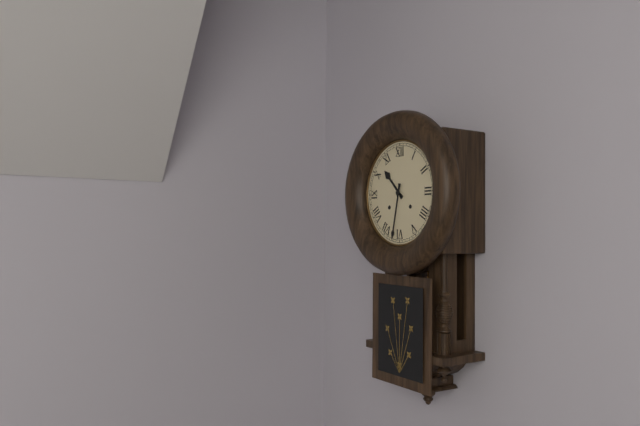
10:32
